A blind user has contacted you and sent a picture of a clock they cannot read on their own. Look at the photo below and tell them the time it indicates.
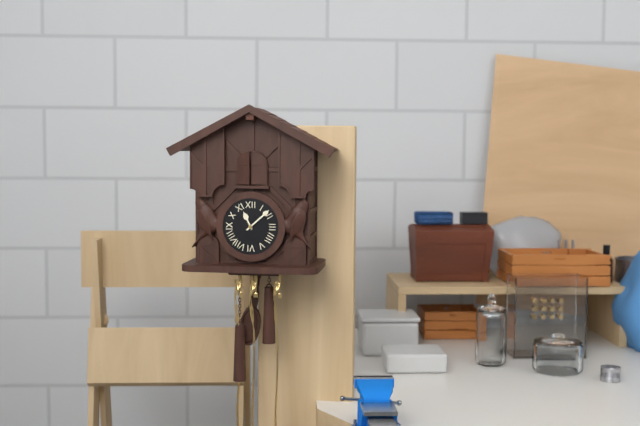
11:08
